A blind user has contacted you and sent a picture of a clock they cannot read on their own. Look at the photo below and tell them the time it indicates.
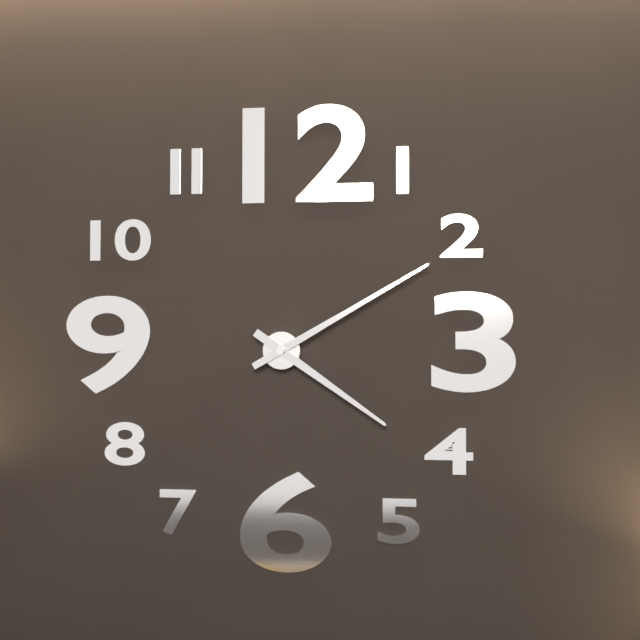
4:10
